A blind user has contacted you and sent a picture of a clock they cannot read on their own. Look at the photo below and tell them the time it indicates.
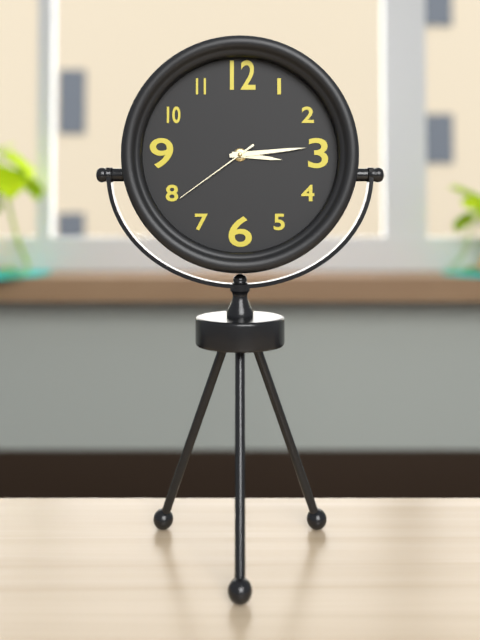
3:14:39
